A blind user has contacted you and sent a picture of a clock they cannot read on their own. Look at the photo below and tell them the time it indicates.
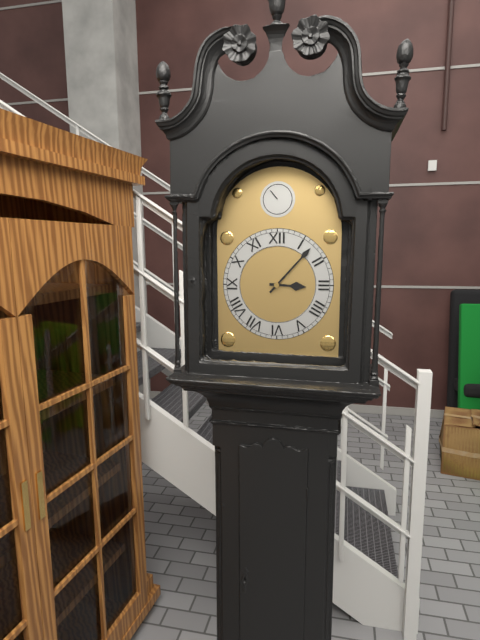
3:07
